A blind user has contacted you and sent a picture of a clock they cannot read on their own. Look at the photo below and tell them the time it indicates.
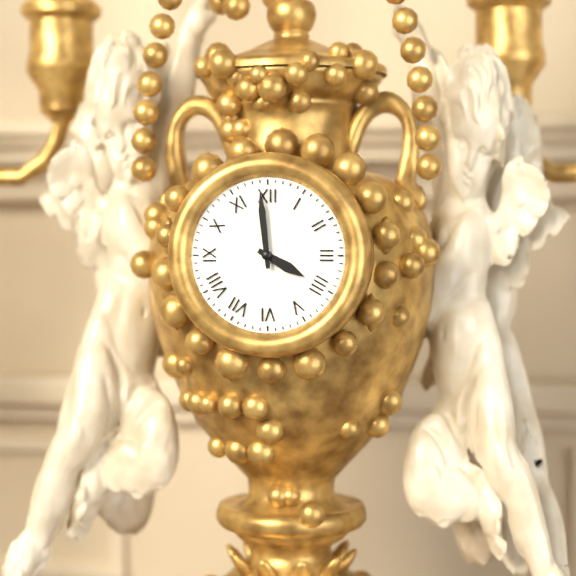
3:59
